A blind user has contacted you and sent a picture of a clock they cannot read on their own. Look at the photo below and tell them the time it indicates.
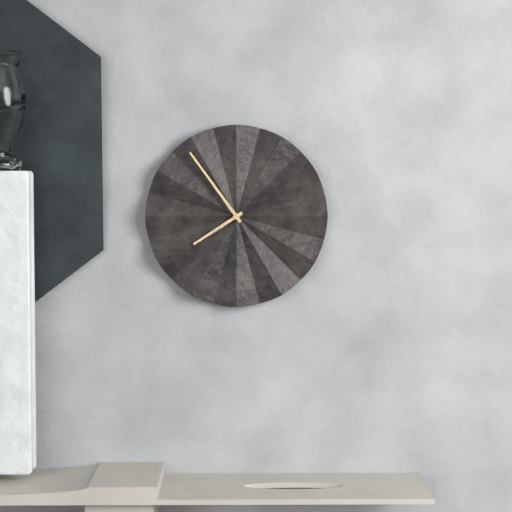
7:54
